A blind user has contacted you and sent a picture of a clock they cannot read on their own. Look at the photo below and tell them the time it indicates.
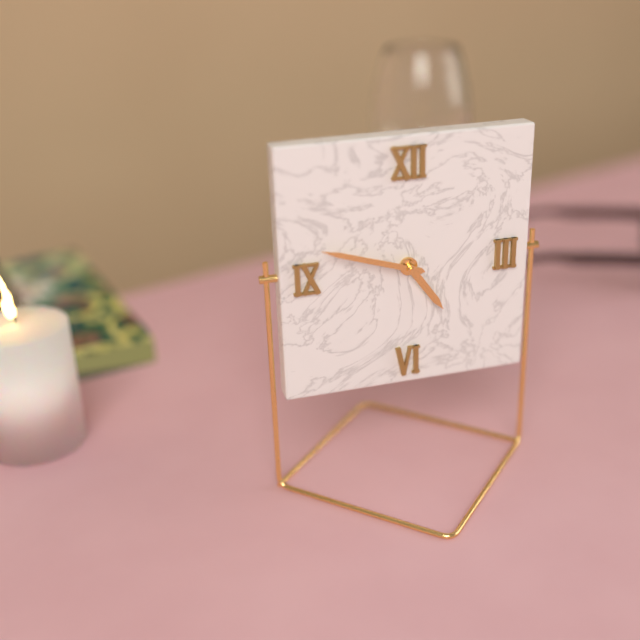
4:48
